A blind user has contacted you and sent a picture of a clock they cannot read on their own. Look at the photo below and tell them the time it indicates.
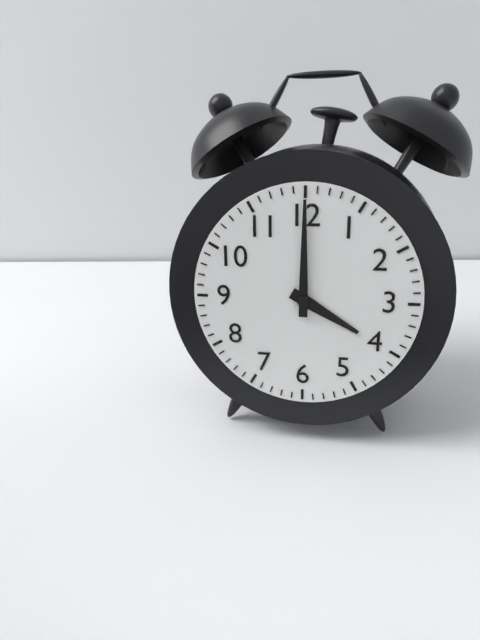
4:00
